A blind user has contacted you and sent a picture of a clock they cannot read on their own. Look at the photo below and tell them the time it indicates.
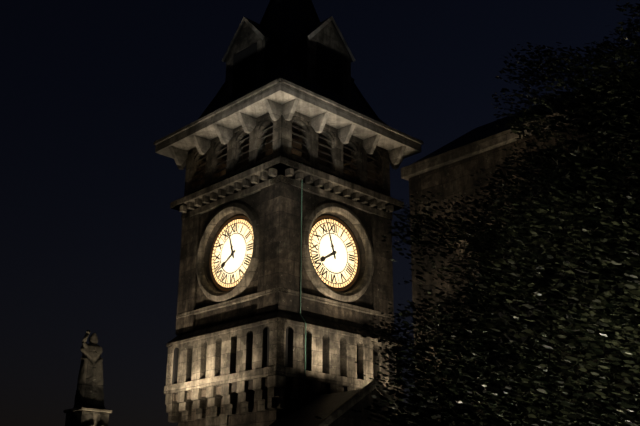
7:57
